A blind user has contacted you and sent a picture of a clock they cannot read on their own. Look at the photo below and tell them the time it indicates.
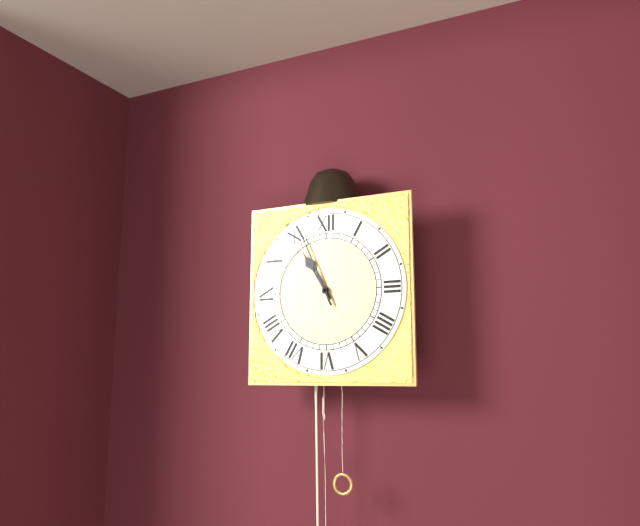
10:56
